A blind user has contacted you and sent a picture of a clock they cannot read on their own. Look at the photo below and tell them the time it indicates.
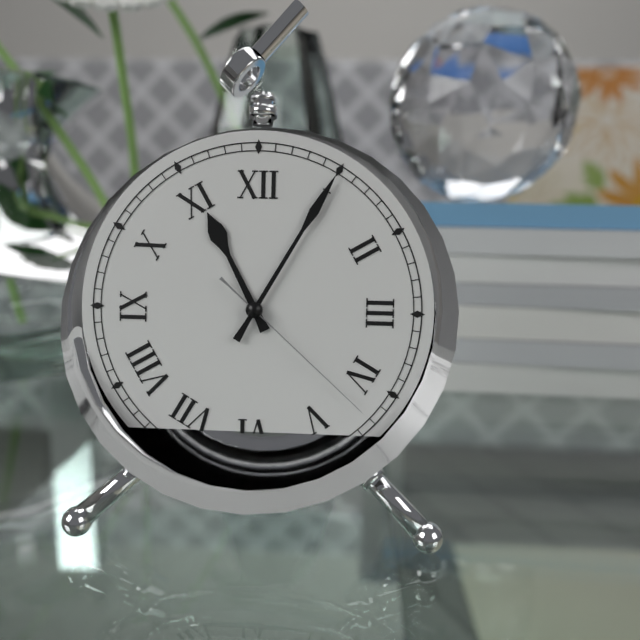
11:05:22
